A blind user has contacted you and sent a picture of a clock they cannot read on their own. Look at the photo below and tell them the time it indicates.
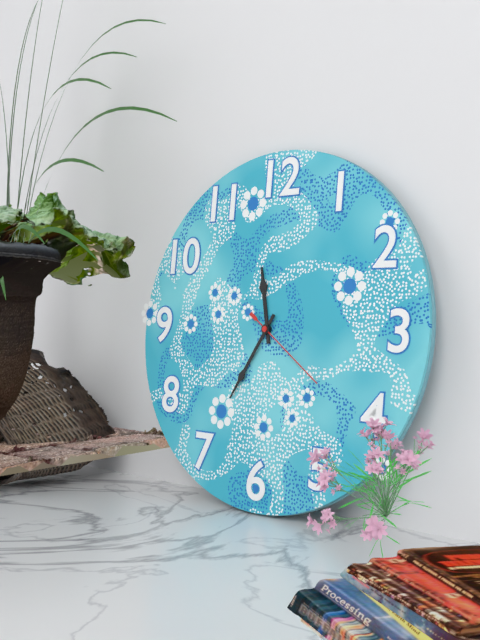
11:35:21
